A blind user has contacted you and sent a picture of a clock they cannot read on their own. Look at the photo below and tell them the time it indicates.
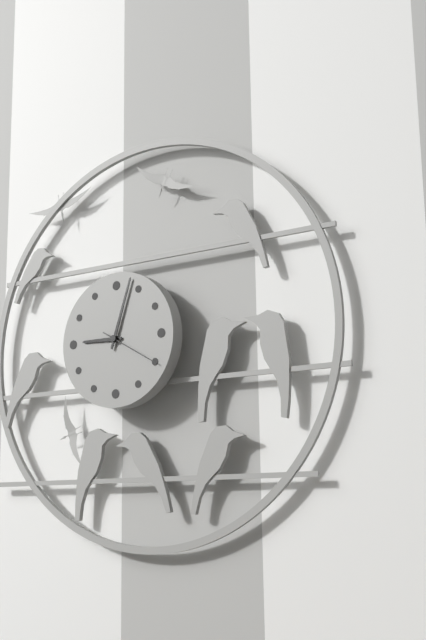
9:03
